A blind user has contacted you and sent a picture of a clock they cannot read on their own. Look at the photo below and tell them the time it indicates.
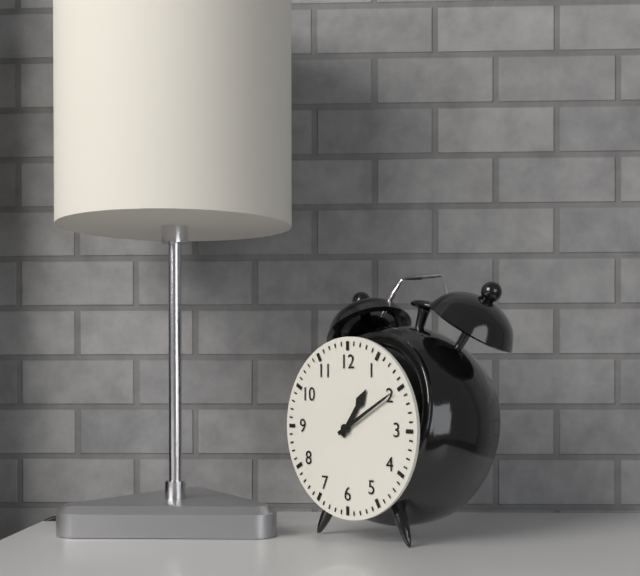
1:10
